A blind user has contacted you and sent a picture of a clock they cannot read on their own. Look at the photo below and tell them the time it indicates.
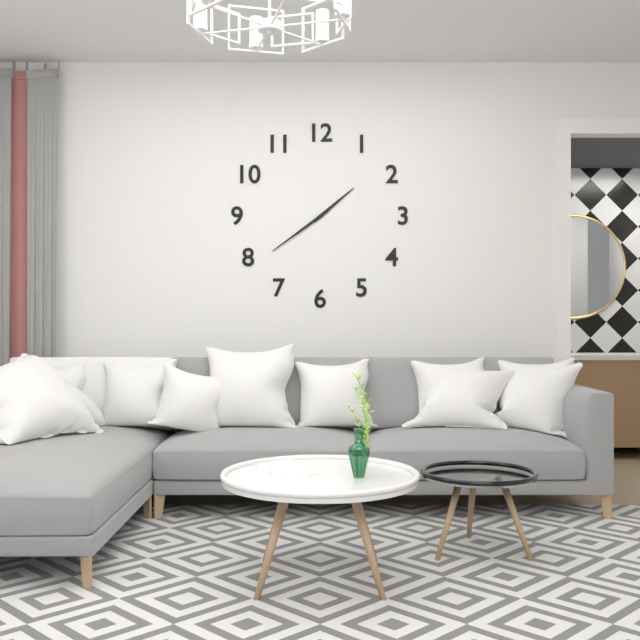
1:39
